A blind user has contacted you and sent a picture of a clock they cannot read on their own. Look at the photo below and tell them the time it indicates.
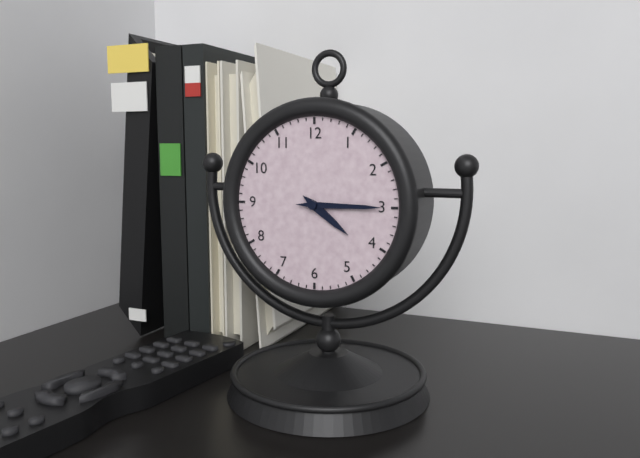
4:15
